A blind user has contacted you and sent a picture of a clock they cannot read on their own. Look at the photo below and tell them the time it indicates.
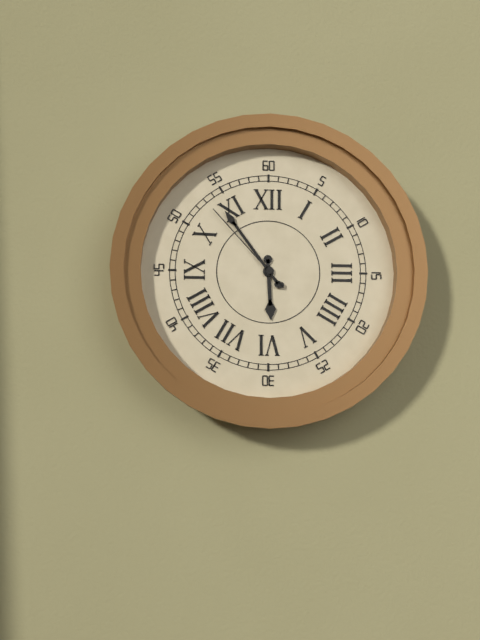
5:54:53
